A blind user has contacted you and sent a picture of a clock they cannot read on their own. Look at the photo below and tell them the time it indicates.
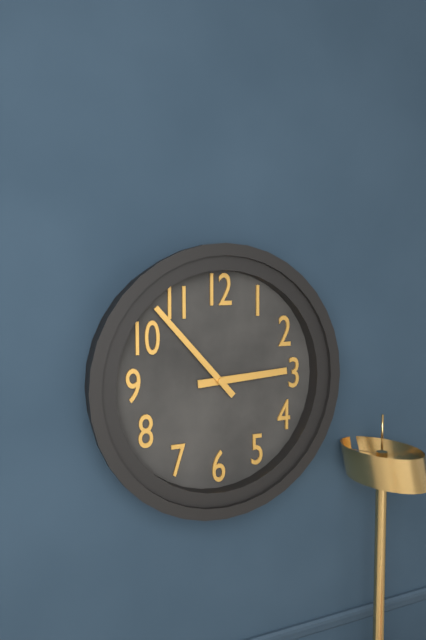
2:53
